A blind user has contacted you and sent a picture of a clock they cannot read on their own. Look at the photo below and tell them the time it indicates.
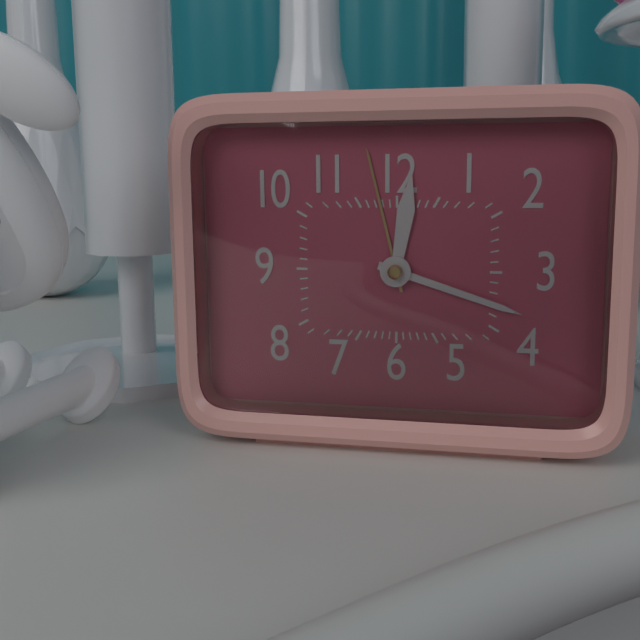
12:18
